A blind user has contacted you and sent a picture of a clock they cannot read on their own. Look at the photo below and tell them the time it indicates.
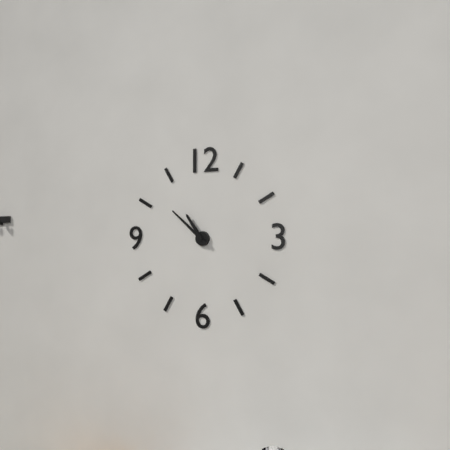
10:52
